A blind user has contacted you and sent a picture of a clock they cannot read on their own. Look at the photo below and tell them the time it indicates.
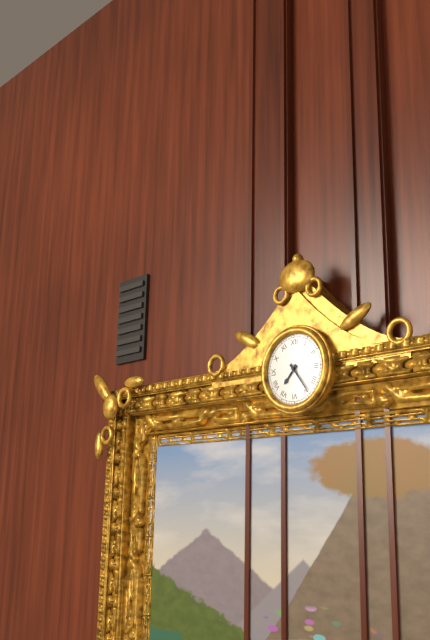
7:24
